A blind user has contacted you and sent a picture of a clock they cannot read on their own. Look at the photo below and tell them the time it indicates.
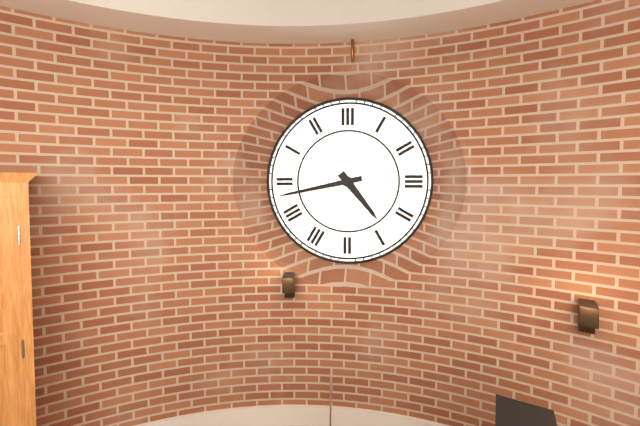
4:43
